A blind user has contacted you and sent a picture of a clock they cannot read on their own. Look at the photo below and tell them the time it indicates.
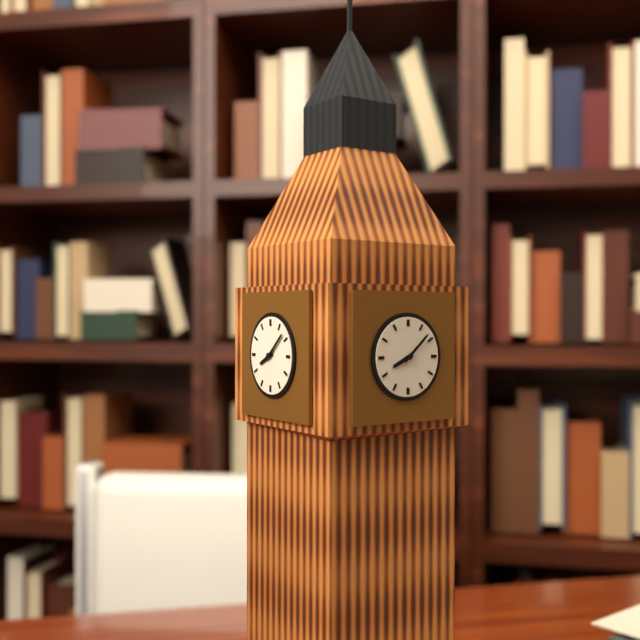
8:08
